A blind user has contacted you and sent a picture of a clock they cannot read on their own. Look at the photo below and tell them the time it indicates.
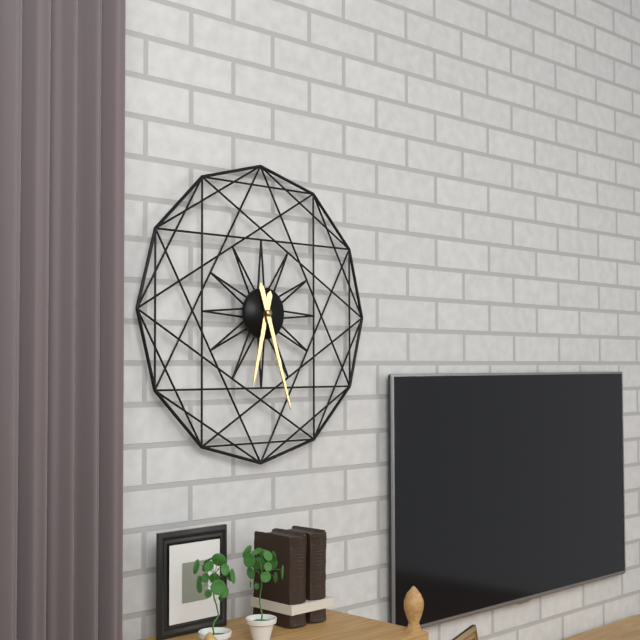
6:27
